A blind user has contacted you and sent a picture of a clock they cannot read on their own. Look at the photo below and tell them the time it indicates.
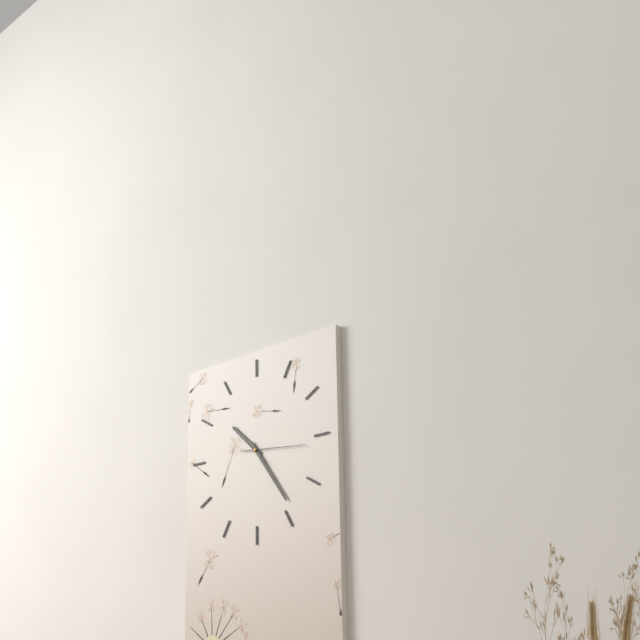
10:24:16
